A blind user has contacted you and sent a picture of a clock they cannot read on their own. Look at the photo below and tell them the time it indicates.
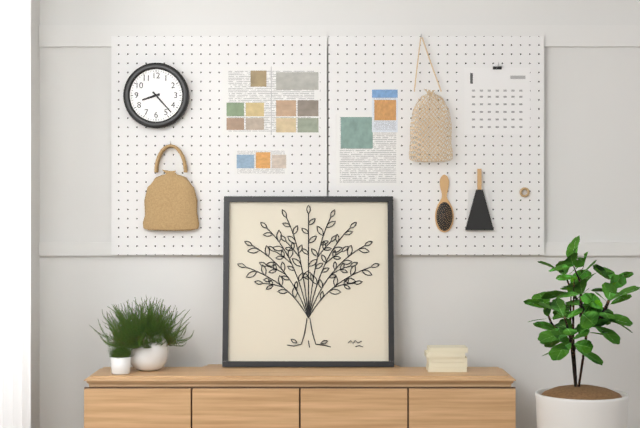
8:23
